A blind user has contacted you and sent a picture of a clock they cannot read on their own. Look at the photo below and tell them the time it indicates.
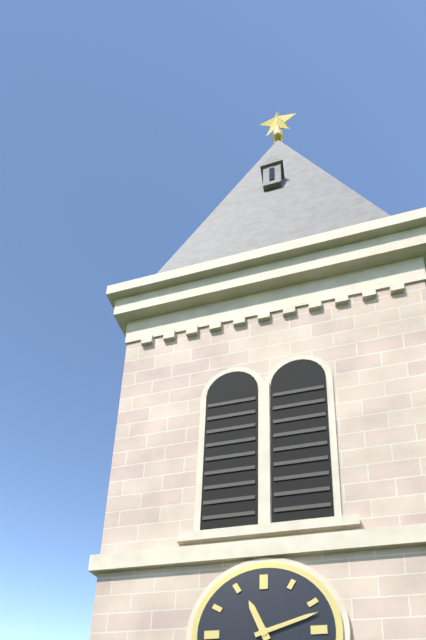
11:12
